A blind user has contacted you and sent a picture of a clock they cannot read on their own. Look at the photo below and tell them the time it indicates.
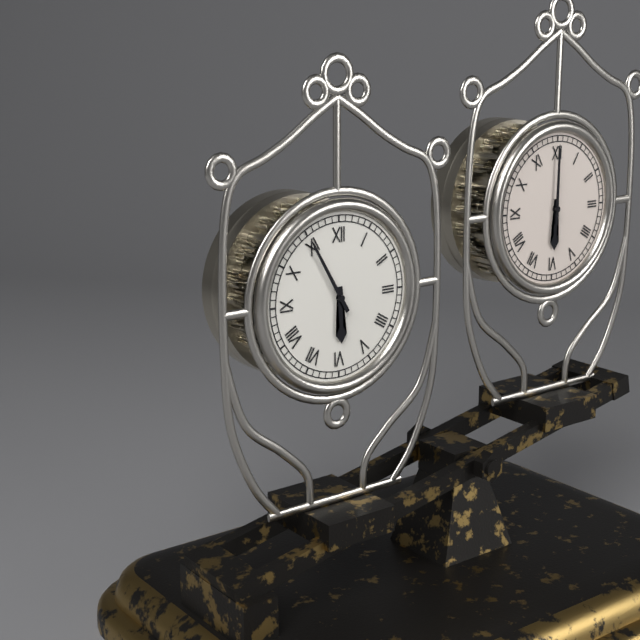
5:55
